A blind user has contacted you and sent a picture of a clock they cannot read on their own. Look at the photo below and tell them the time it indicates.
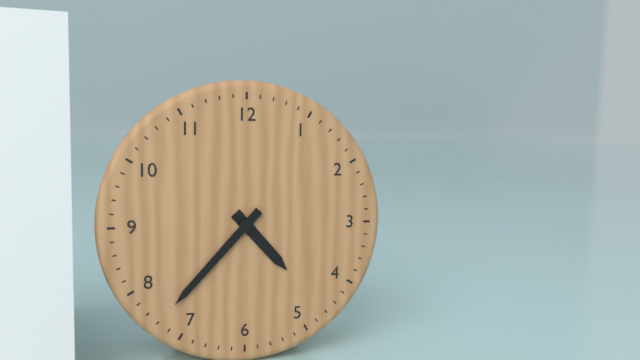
4:37
